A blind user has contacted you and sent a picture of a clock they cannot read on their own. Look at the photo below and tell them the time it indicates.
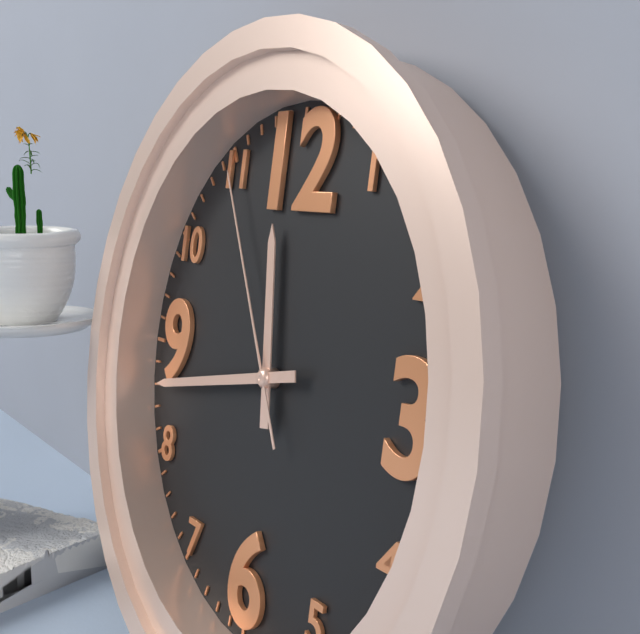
11:43:55
